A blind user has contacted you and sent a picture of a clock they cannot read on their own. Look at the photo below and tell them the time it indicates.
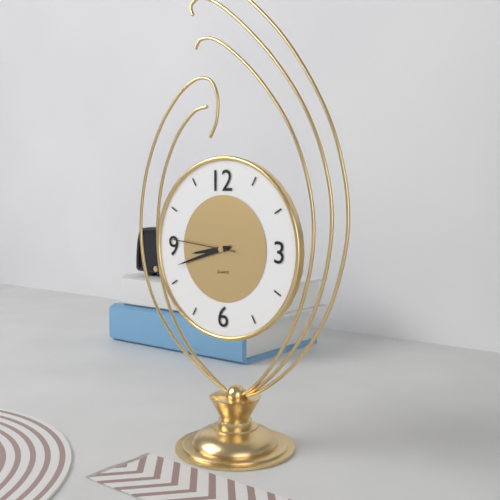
8:42:46
